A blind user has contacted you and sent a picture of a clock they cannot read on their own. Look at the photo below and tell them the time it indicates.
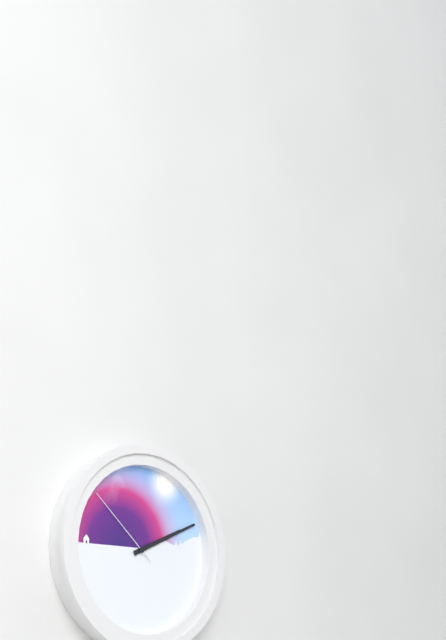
2:11:52
